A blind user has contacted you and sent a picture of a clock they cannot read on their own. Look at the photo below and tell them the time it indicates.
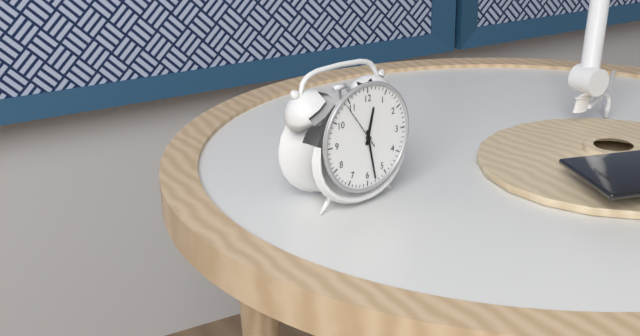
12:28
